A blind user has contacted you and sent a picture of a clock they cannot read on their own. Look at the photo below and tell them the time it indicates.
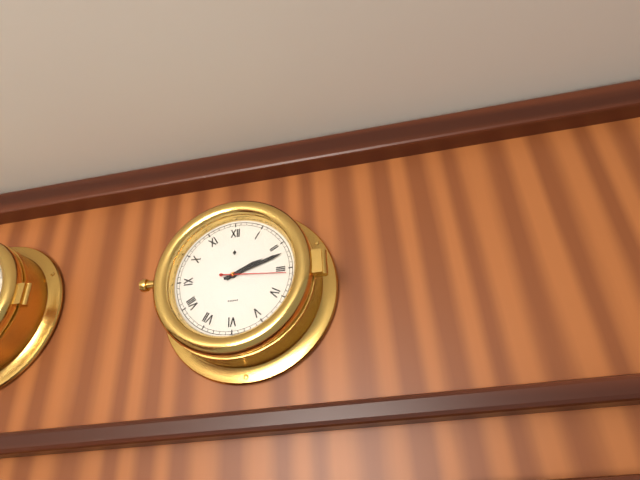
2:12:16
